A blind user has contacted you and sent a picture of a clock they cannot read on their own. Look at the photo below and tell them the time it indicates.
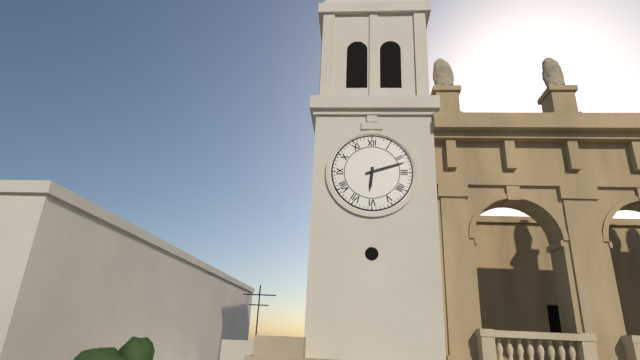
6:12
